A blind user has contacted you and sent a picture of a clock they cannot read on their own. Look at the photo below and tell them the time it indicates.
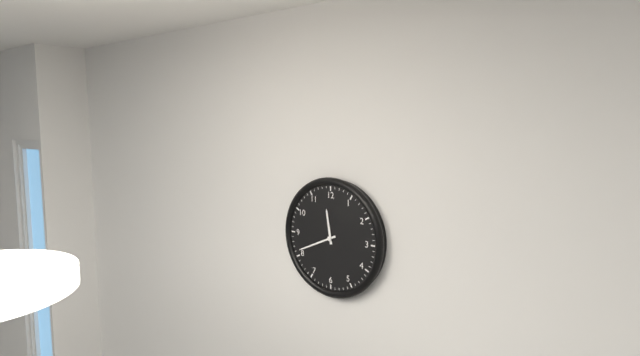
11:41
